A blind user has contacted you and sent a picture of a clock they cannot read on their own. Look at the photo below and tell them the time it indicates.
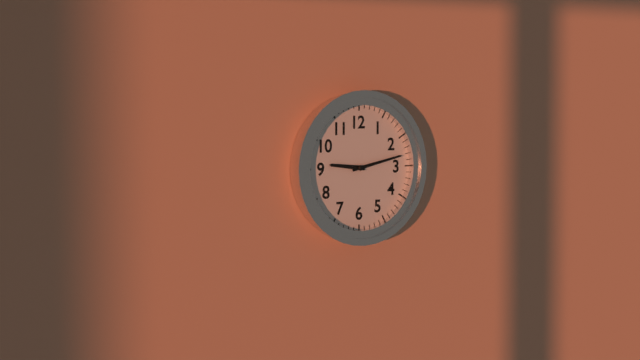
9:13
